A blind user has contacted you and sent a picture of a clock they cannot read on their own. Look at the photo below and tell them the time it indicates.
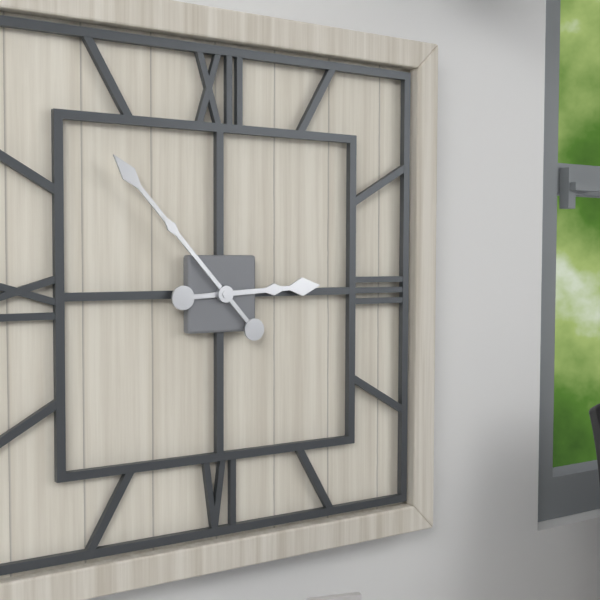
2:53
